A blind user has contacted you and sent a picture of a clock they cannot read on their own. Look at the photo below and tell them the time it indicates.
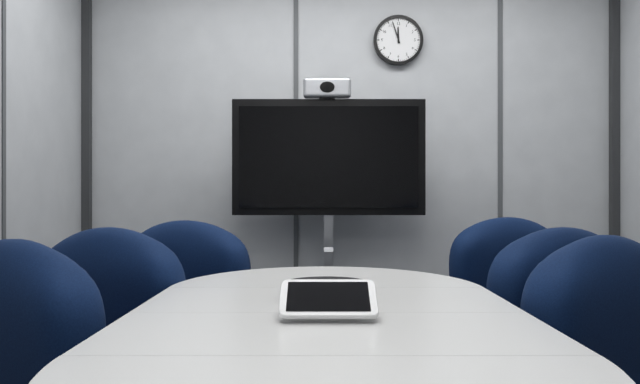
11:57
